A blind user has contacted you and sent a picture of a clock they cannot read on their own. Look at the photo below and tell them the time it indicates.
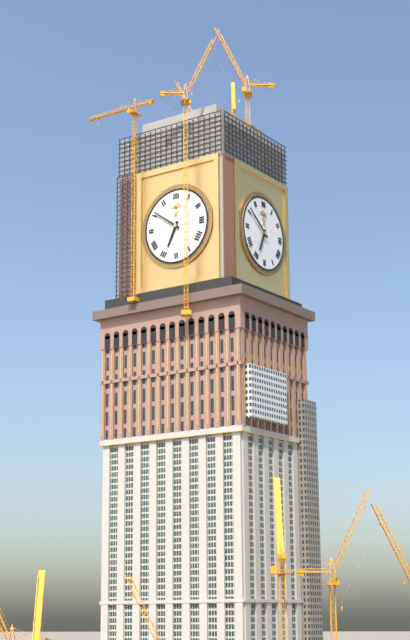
6:51
